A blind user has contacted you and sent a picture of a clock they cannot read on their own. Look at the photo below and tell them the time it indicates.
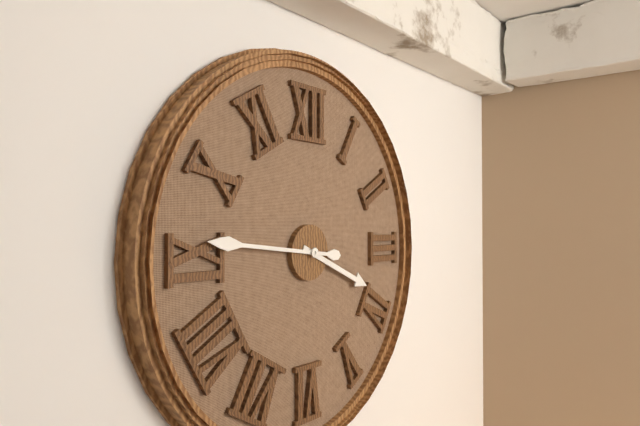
3:46
